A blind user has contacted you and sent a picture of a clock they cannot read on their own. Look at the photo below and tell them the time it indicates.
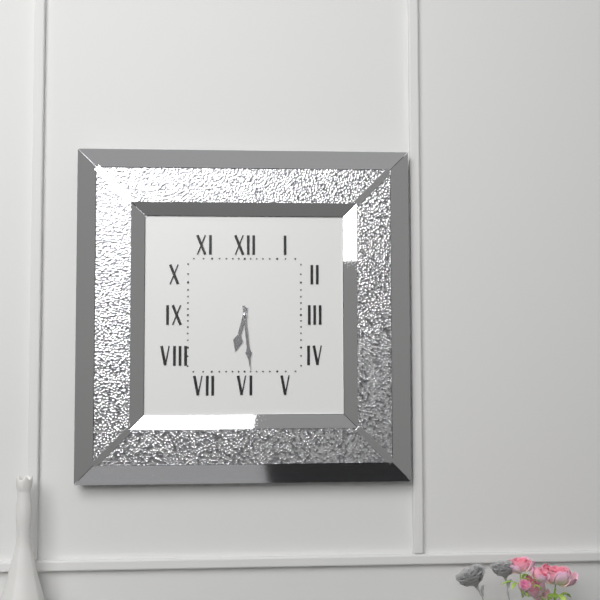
6:29
